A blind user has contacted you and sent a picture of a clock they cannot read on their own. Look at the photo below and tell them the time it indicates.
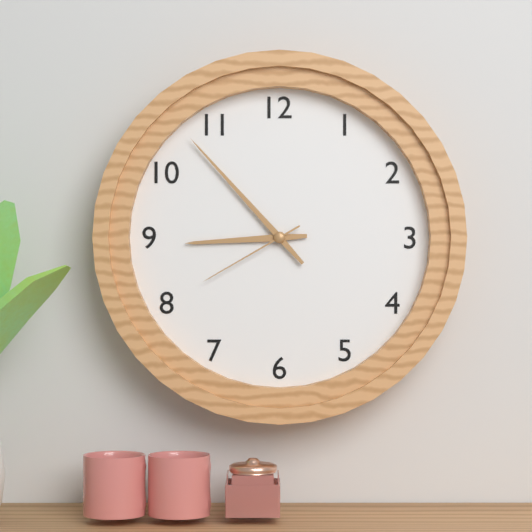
8:53:40
